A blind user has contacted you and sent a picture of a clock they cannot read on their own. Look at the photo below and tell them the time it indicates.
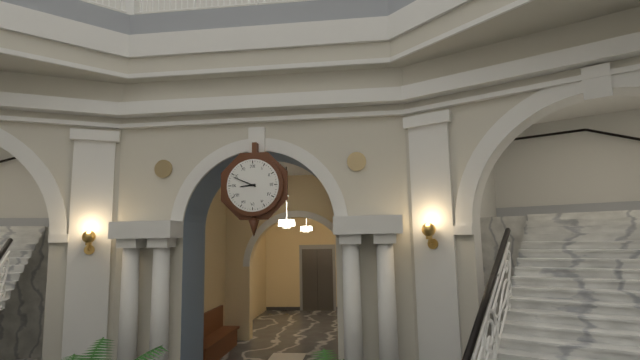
8:49
